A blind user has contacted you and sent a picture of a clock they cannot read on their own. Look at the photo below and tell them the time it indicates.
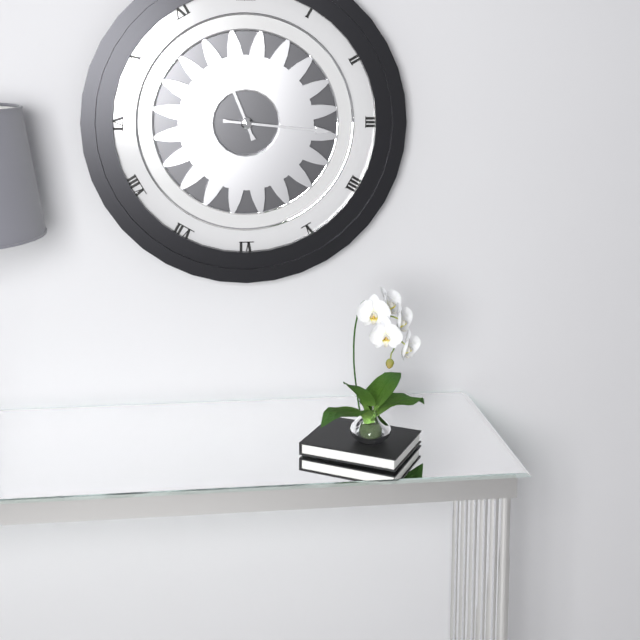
11:16
